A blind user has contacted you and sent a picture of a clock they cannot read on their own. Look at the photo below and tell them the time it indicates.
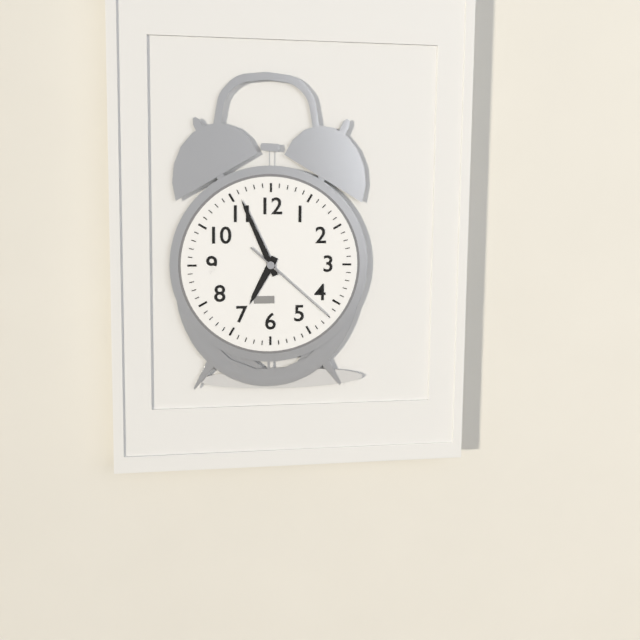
6:56:22
